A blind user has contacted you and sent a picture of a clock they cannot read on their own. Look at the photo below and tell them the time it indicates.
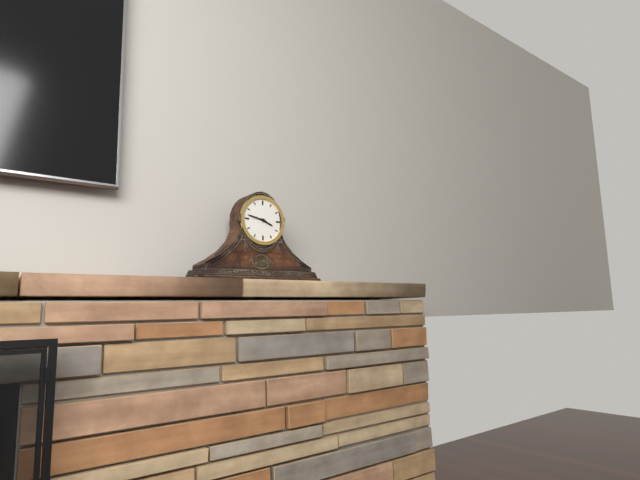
3:47
